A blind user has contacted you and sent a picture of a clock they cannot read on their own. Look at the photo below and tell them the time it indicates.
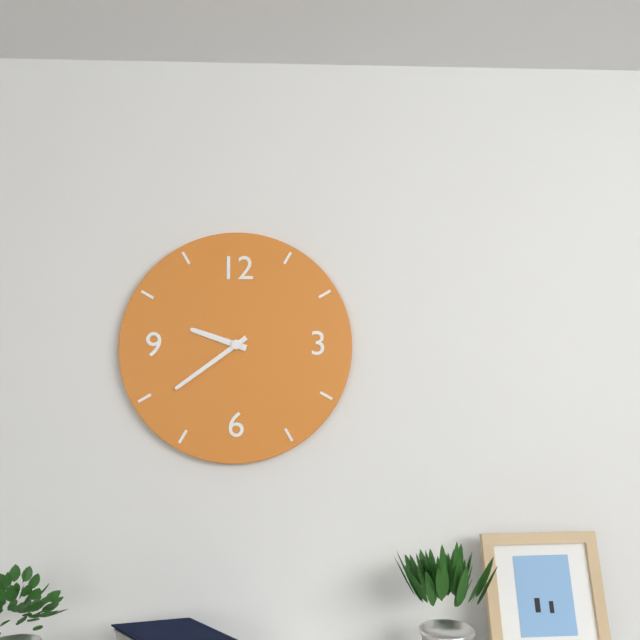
9:39
